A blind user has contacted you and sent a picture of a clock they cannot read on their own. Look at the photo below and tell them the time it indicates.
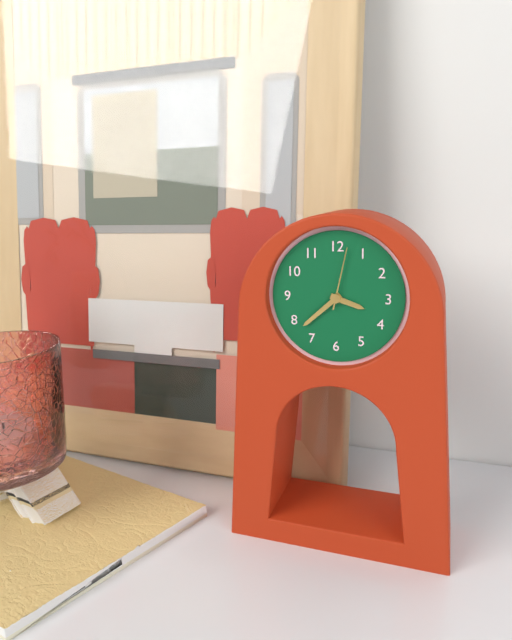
3:38:02
